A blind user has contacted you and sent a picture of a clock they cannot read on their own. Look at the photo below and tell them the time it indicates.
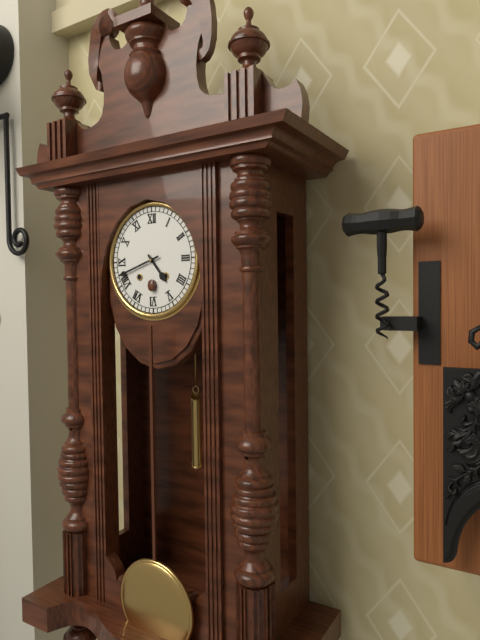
4:42
